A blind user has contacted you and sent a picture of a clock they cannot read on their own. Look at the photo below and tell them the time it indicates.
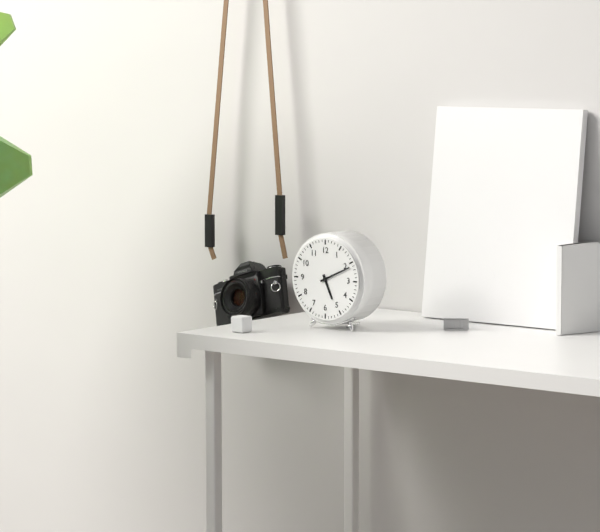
5:11
